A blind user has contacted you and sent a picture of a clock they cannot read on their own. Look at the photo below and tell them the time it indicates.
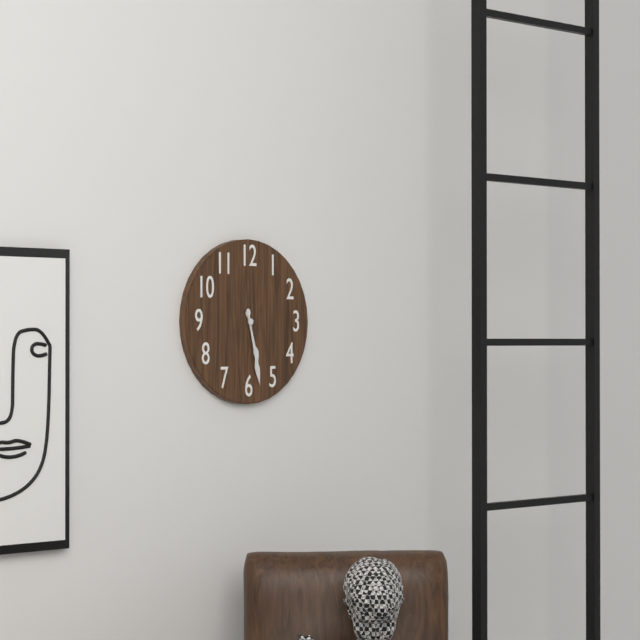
5:28
